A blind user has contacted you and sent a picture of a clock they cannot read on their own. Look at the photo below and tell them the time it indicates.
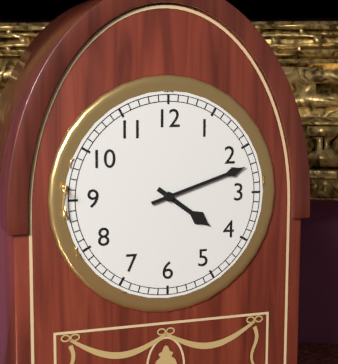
4:12
